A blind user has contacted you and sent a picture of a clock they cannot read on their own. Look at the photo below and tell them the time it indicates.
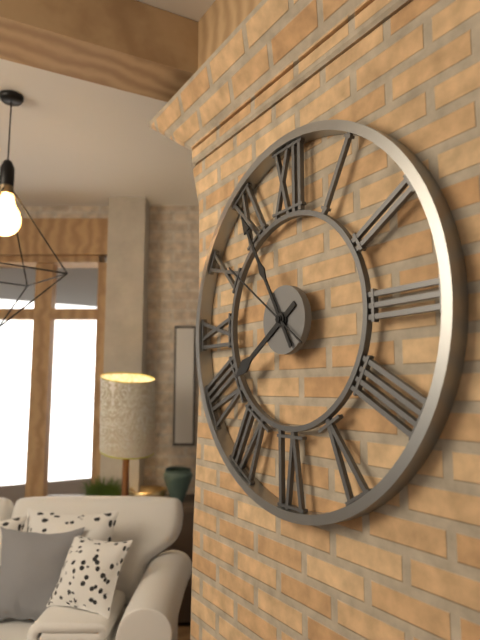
7:55:51
